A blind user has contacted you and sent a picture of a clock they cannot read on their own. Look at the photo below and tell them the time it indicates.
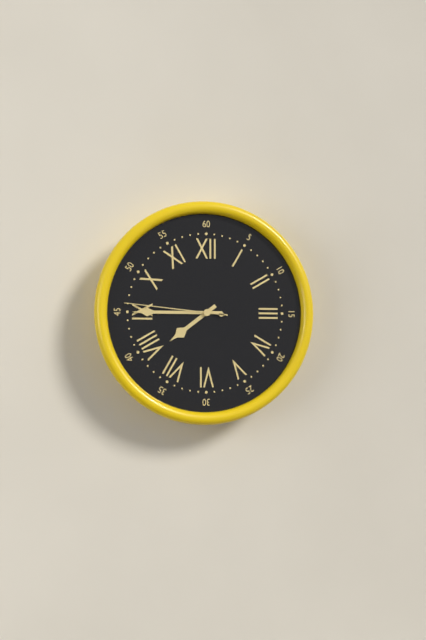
7:45:46
